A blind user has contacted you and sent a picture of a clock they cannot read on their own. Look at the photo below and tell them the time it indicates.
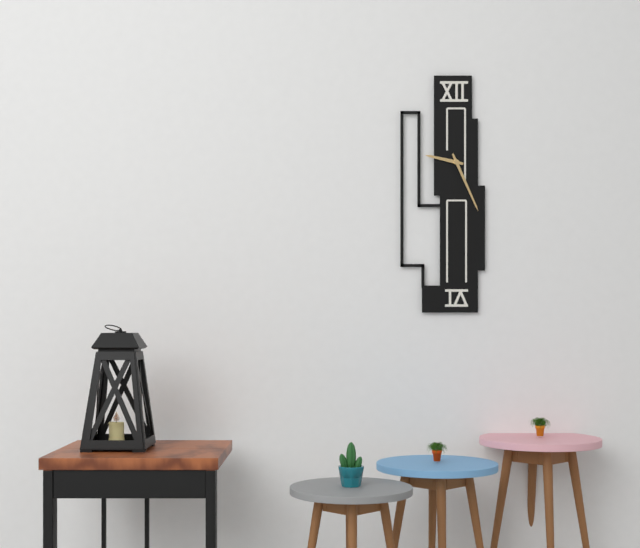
9:26
